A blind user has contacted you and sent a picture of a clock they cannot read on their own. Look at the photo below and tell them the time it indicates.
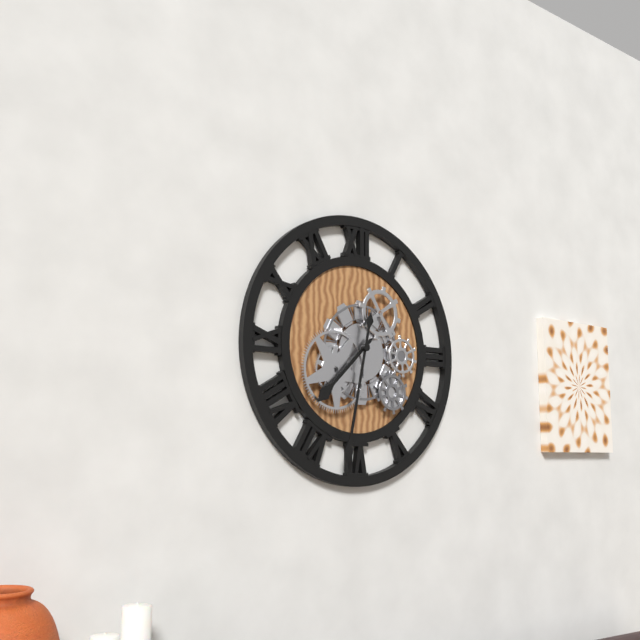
7:32
